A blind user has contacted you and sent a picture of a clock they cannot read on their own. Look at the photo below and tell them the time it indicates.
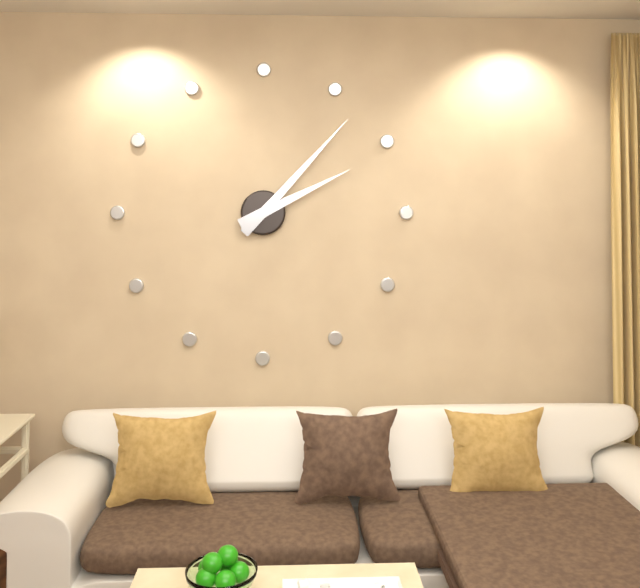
2:07
